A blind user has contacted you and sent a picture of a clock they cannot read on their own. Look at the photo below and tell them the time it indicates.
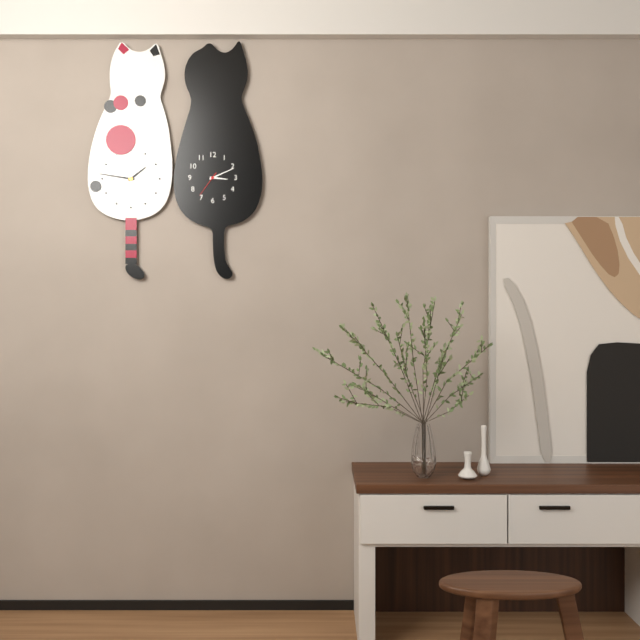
3:11
